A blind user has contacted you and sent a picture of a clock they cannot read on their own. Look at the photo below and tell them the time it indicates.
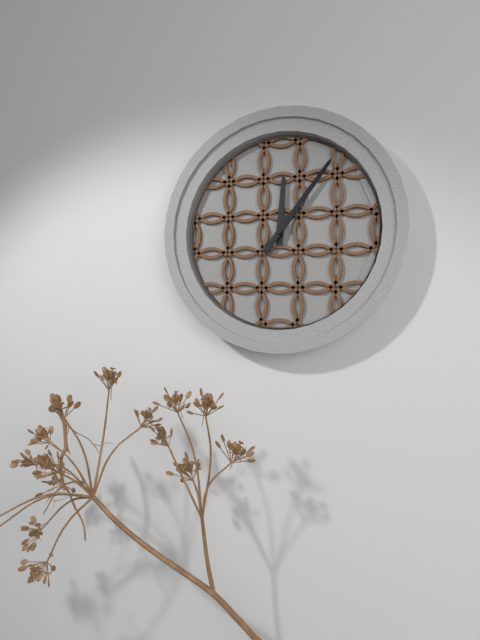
12:06
